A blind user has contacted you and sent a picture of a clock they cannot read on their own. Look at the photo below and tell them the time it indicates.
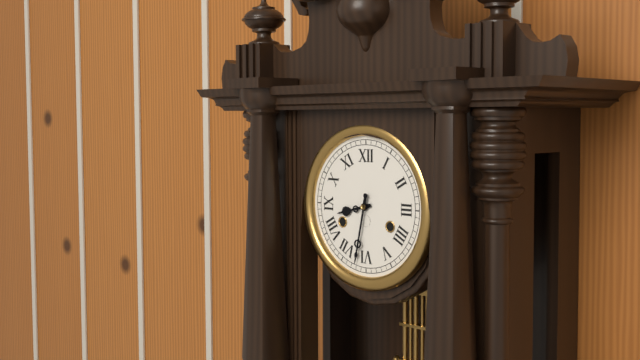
8:32
